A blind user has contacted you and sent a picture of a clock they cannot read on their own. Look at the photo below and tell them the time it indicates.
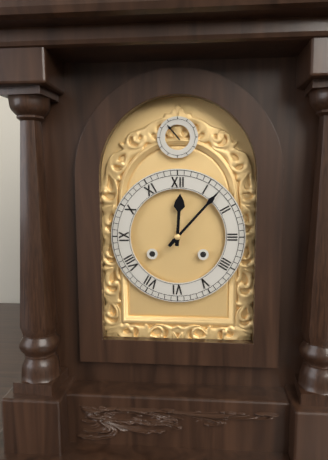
12:07
